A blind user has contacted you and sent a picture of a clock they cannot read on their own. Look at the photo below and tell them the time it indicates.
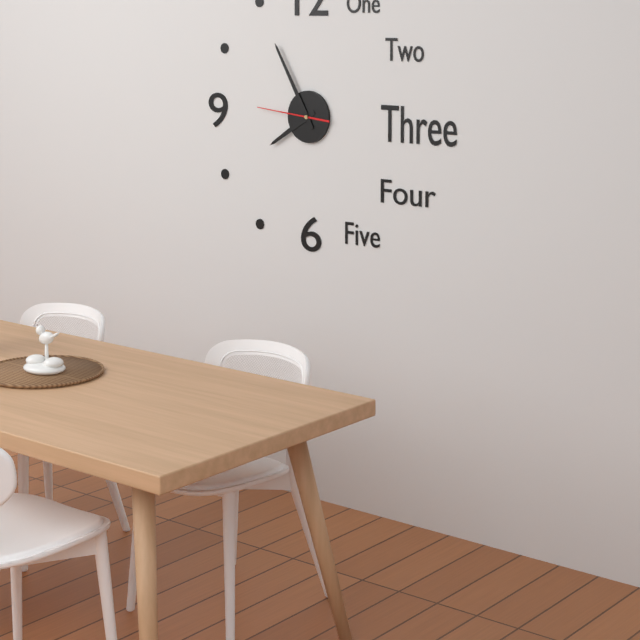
7:55:46
